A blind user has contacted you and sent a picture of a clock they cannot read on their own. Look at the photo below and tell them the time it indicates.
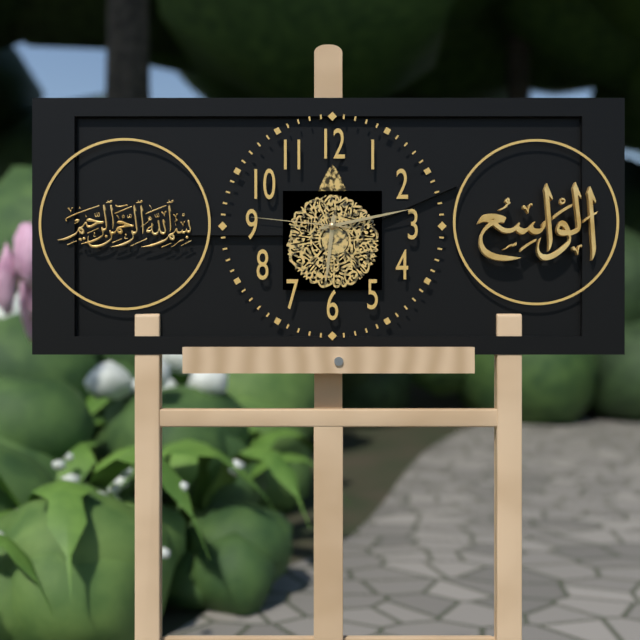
6:13:46
